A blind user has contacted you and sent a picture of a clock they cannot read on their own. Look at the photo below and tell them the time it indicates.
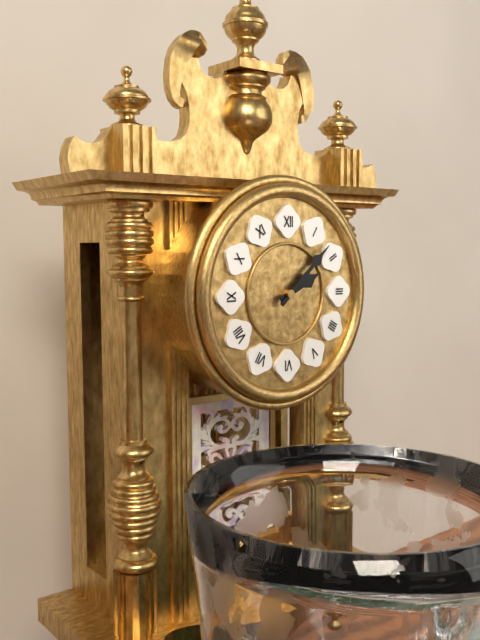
2:08
